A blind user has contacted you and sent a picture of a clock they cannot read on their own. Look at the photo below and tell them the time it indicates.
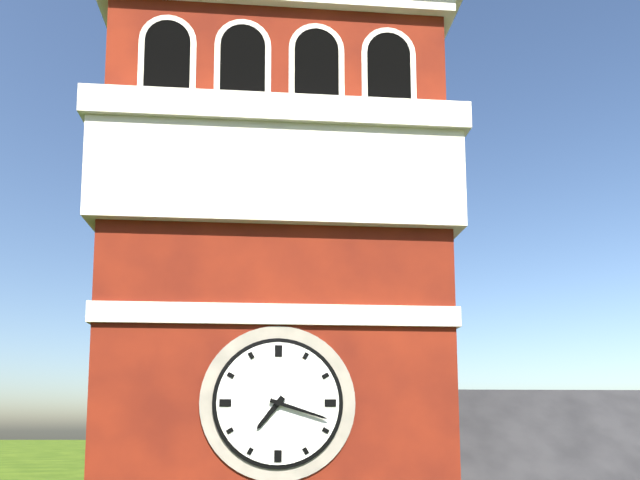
7:18
